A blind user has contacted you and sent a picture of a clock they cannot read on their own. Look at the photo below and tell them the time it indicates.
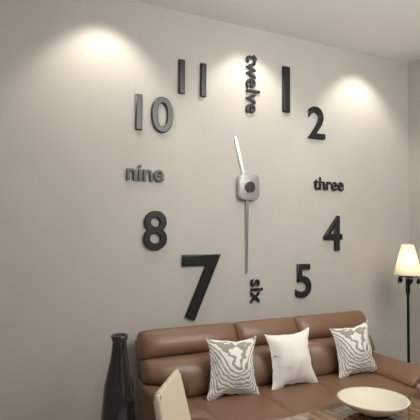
11:30
